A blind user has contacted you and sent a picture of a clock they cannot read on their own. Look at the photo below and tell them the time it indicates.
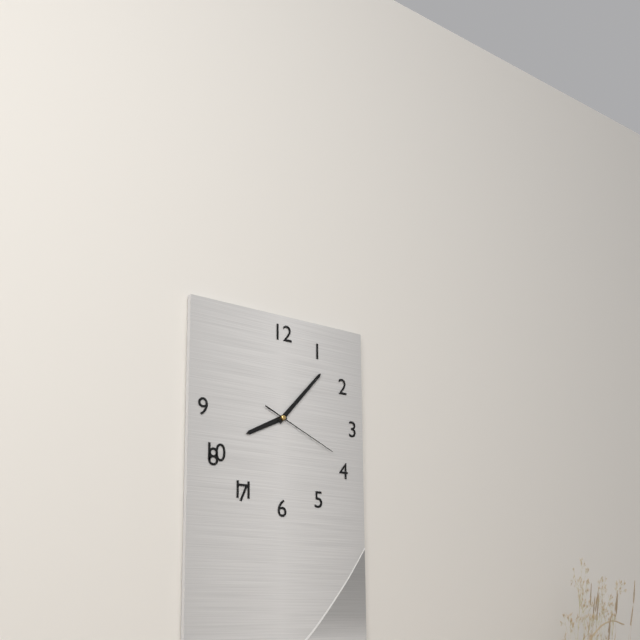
8:07:19
